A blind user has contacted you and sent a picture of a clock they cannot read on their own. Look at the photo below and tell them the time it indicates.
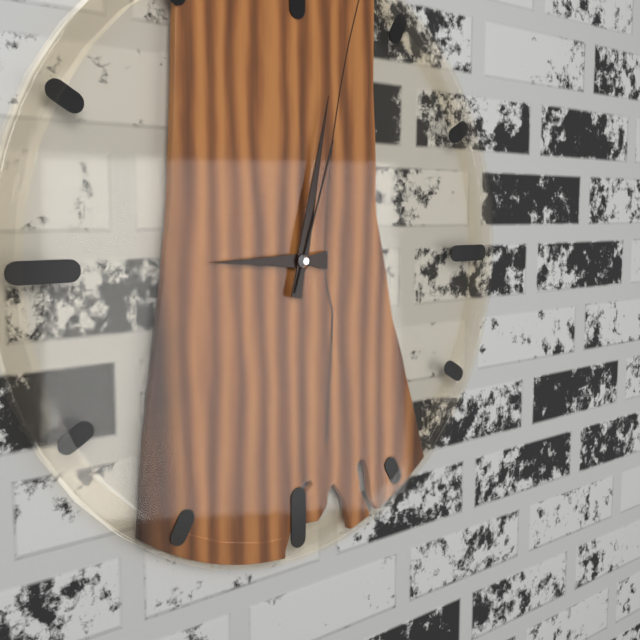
9:02:03
